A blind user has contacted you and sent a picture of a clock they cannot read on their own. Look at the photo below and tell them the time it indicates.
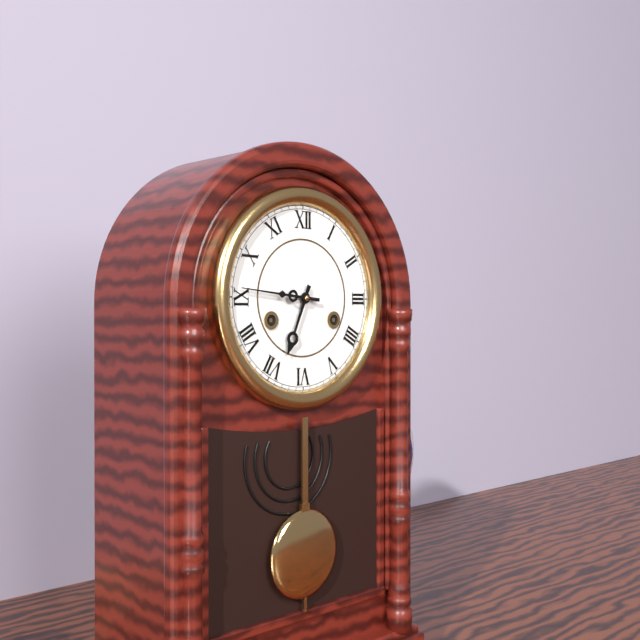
6:46
